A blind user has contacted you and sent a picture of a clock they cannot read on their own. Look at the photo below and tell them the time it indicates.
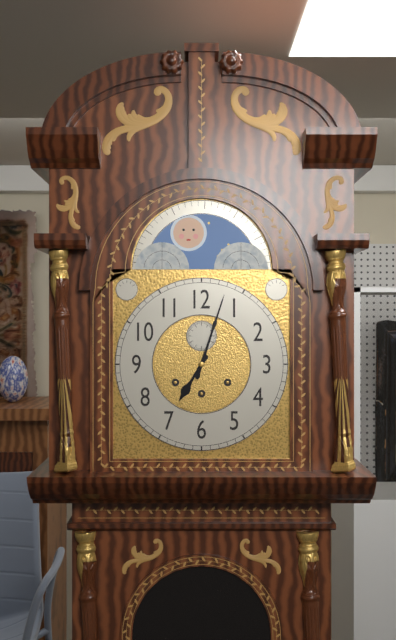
7:03
